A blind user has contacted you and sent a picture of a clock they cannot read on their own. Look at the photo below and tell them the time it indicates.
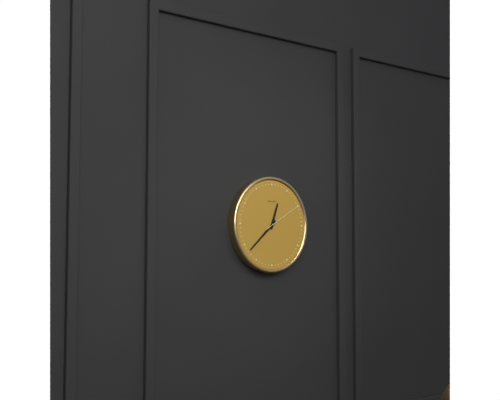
12:38
